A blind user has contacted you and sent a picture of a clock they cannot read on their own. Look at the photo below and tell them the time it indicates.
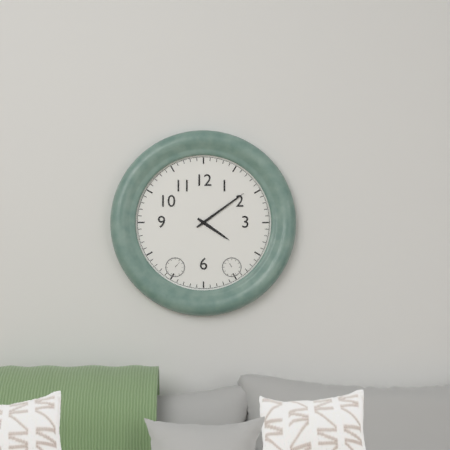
4:09
